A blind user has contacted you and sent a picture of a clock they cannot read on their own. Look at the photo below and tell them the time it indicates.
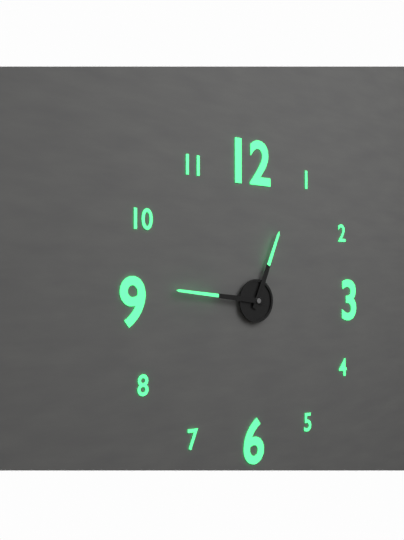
12:46
